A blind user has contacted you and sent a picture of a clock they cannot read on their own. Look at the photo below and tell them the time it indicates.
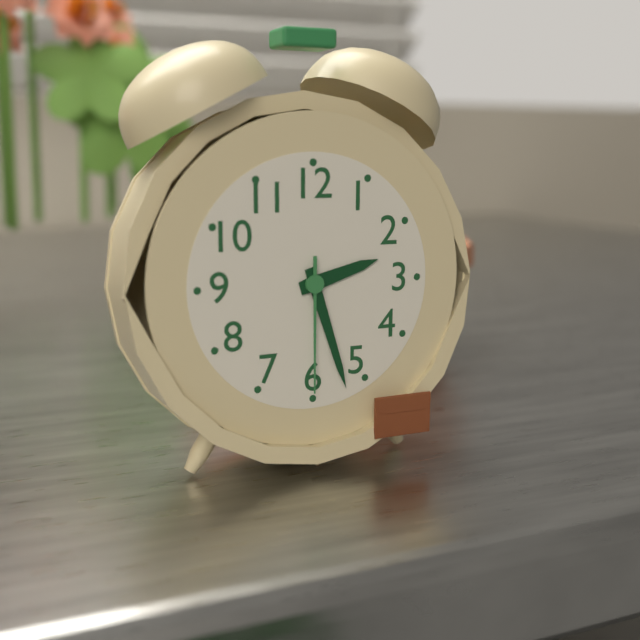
2:27:30
